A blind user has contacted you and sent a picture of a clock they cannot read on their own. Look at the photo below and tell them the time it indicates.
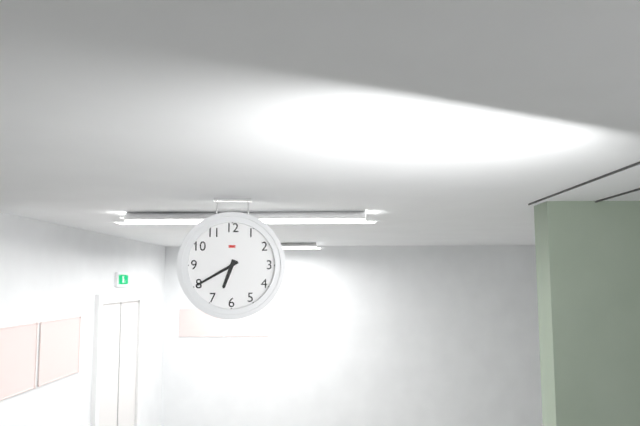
6:40
